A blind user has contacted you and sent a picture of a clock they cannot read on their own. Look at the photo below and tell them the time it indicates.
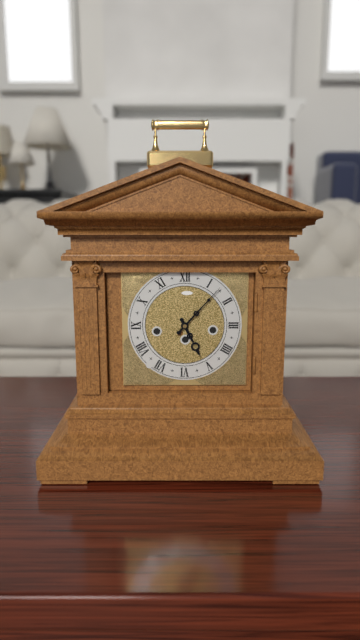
5:07
